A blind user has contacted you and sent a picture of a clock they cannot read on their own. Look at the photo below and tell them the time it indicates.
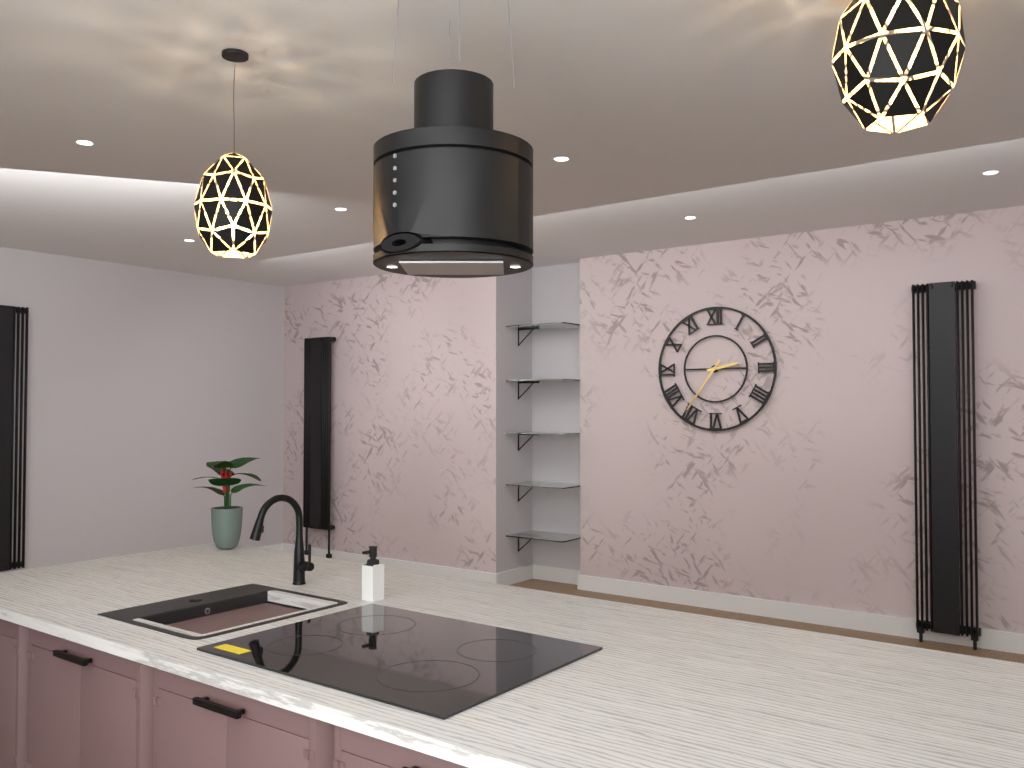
2:36
